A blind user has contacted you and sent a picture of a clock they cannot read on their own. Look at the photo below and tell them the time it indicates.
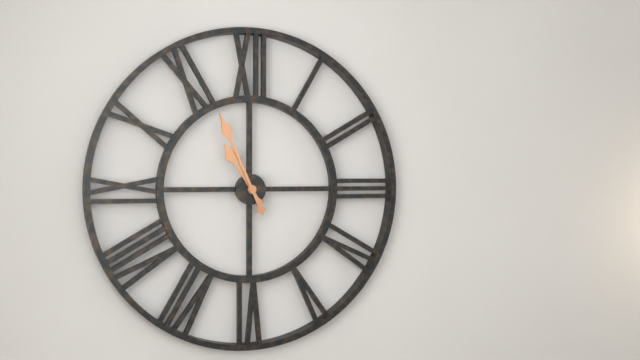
10:56
